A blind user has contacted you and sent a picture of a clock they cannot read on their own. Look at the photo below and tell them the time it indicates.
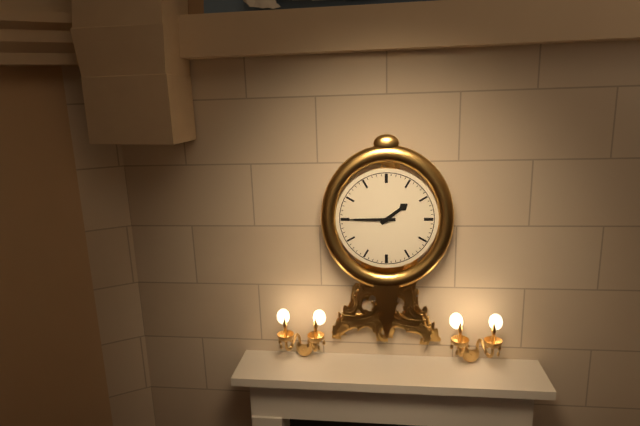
1:45
